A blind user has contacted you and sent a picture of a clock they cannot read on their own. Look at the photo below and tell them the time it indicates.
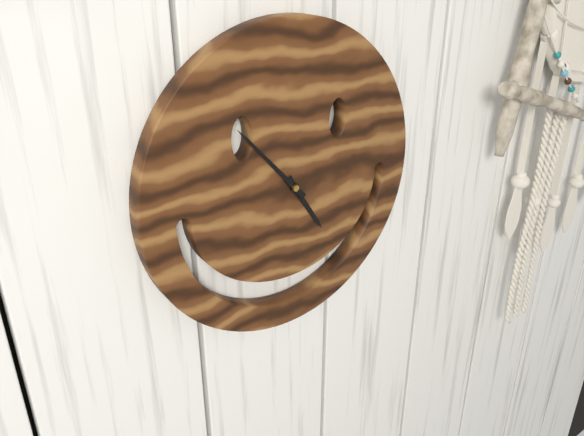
4:53
